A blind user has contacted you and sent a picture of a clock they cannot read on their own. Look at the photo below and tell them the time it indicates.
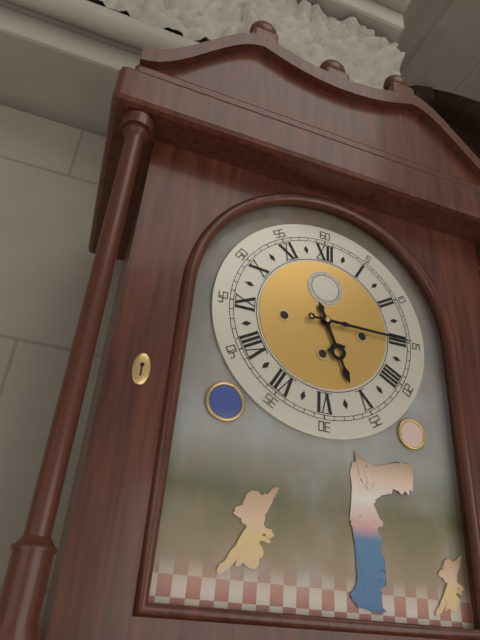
5:15
